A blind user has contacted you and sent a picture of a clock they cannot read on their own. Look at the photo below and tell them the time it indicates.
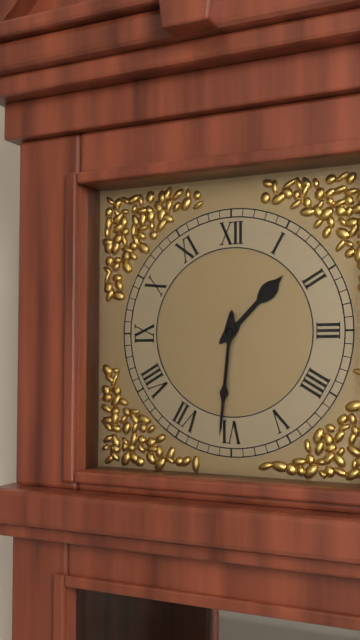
1:31
